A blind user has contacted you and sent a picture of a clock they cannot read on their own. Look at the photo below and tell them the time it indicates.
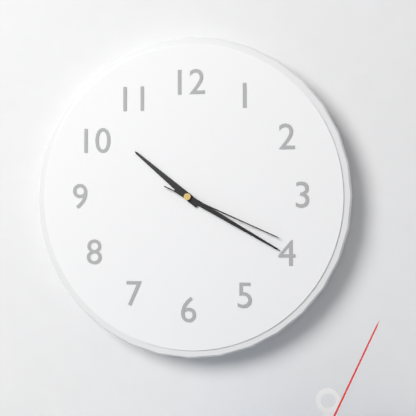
10:20:19
